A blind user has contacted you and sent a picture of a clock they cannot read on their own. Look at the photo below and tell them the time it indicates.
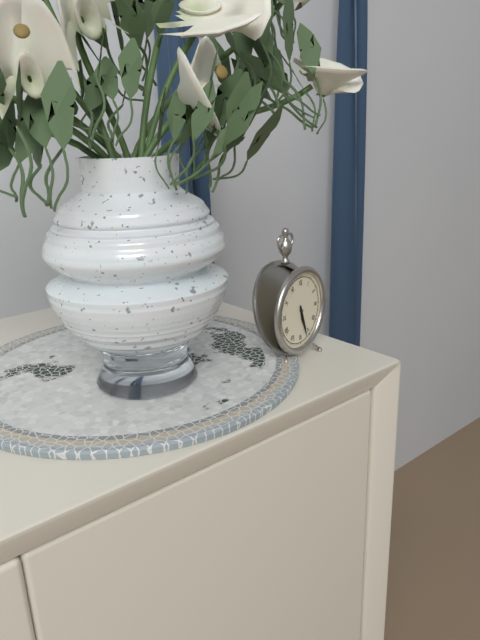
5:27
